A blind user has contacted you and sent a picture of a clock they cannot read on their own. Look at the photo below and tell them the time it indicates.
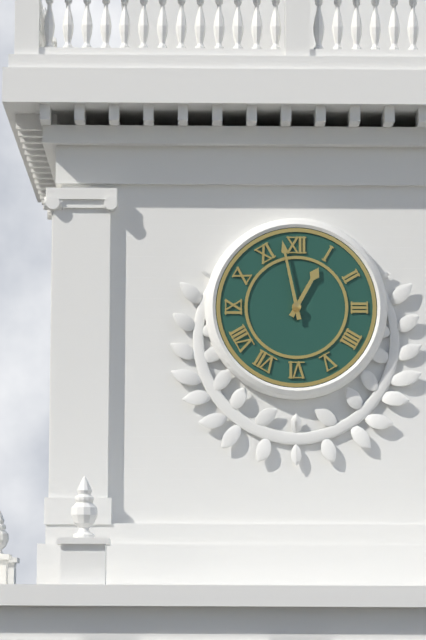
12:58
